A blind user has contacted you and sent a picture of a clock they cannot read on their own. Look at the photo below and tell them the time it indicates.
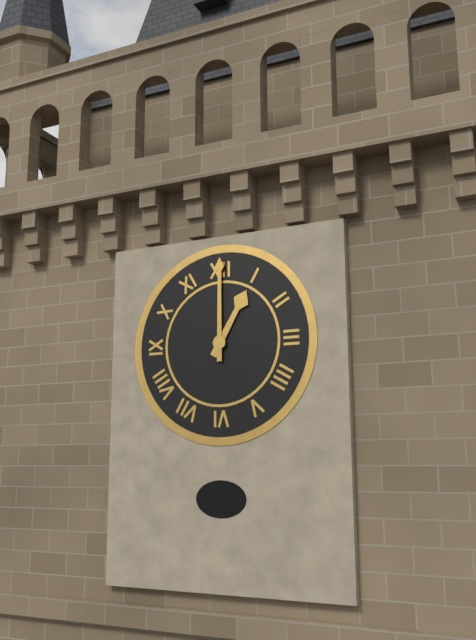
1:00
